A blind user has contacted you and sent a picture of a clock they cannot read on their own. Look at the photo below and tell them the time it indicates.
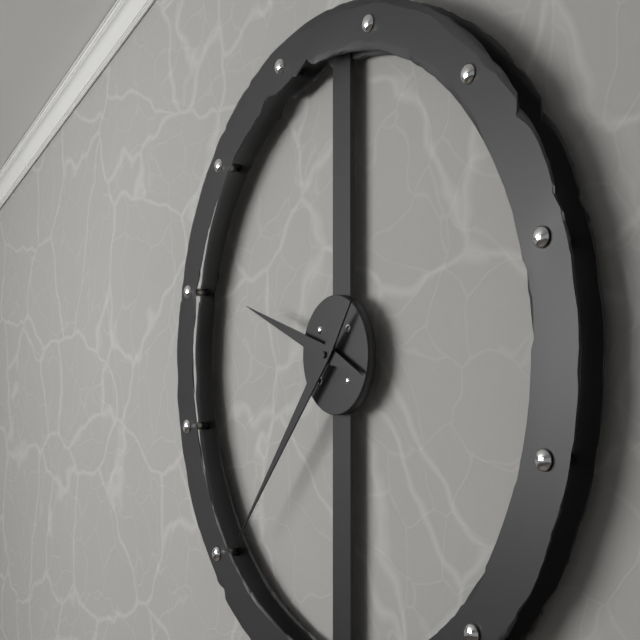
9:37
